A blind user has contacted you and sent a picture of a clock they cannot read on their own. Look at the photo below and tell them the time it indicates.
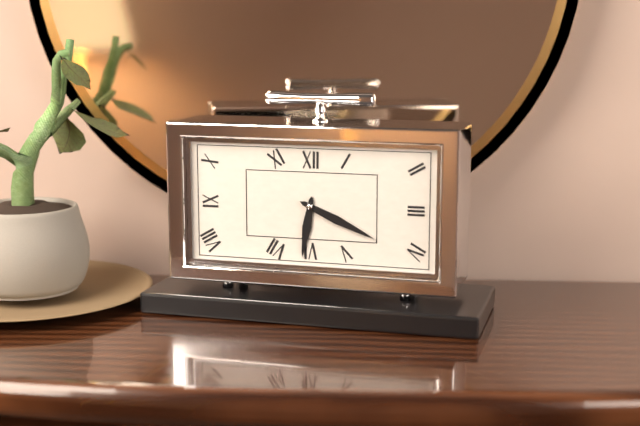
6:19
